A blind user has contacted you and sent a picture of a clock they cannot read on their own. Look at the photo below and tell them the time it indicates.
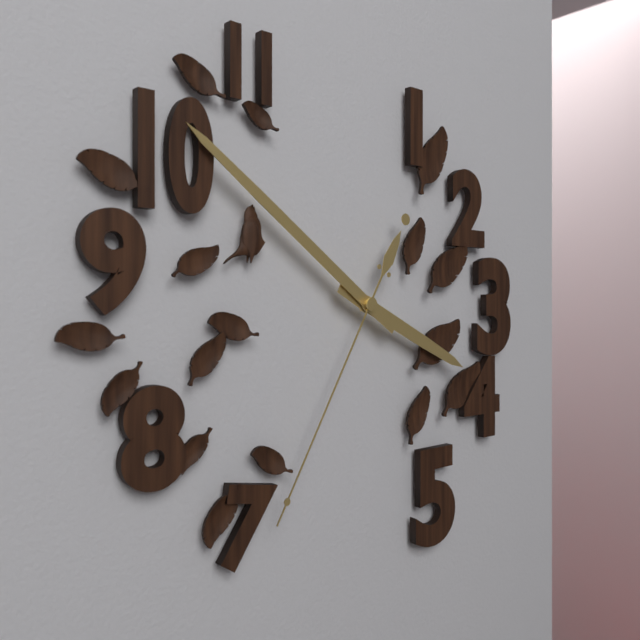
3:51:35
